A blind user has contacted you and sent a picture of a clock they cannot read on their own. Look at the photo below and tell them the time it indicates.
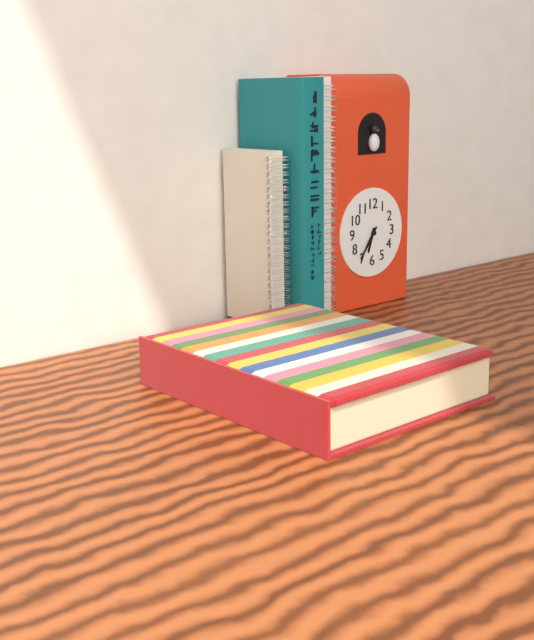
6:36
